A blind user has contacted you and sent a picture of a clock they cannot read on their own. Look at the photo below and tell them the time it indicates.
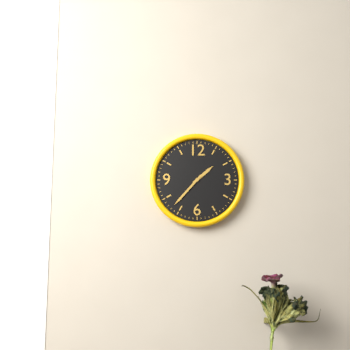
1:37
